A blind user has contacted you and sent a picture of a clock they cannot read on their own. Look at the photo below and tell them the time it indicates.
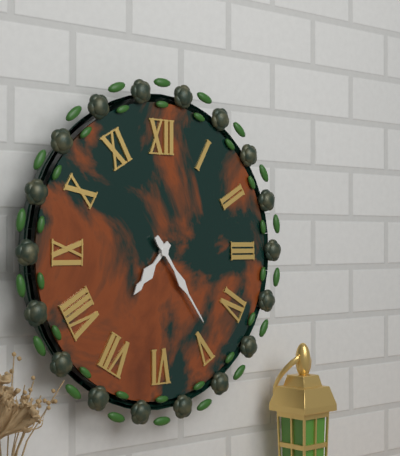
7:24
